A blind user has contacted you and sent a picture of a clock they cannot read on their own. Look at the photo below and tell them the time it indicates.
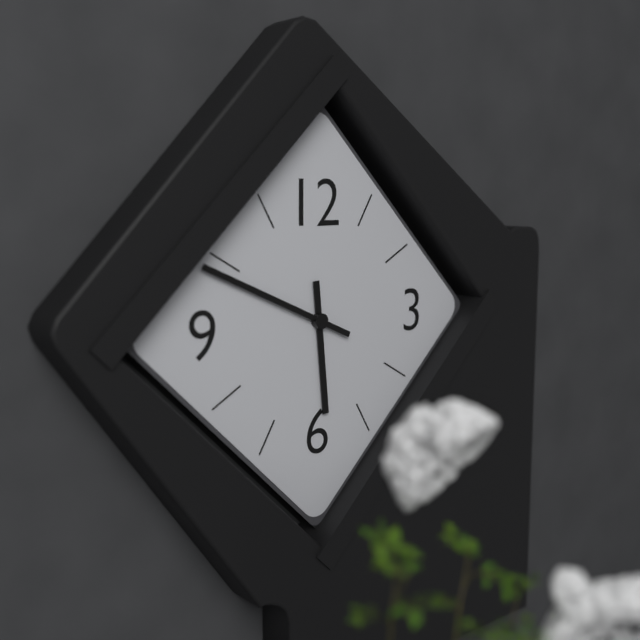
5:49
